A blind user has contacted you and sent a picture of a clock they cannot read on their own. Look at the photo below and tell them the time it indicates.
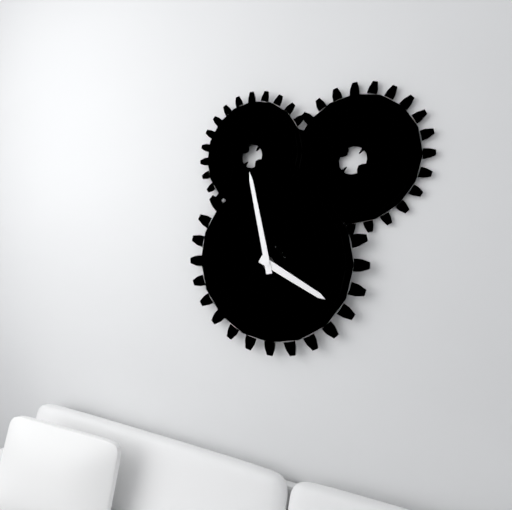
3:58
